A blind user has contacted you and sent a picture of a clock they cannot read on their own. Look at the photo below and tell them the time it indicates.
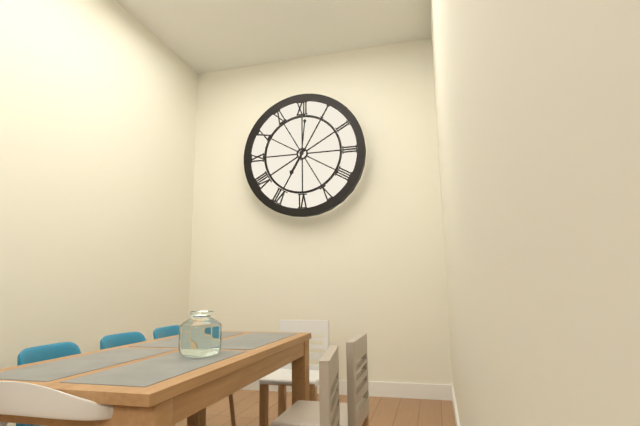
7:01
